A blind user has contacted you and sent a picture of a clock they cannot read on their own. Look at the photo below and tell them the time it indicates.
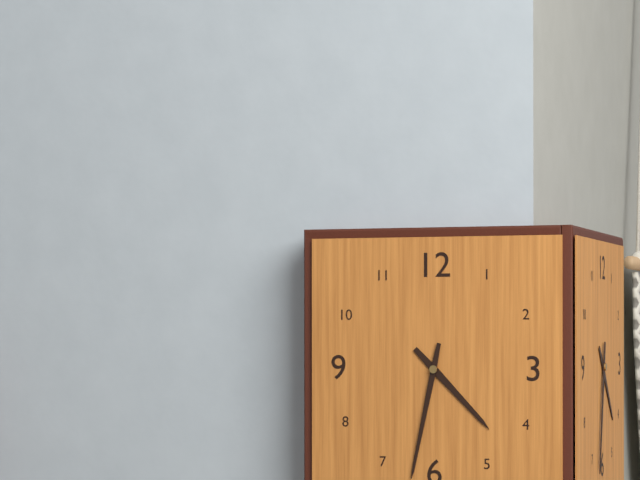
4:32
